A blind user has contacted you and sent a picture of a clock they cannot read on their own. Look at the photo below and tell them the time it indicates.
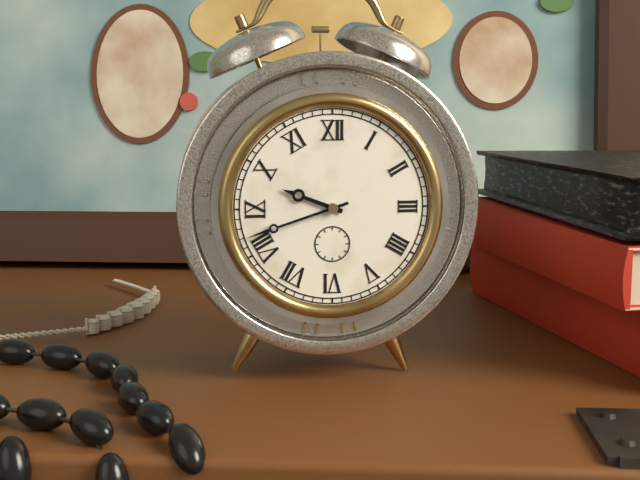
9:42
